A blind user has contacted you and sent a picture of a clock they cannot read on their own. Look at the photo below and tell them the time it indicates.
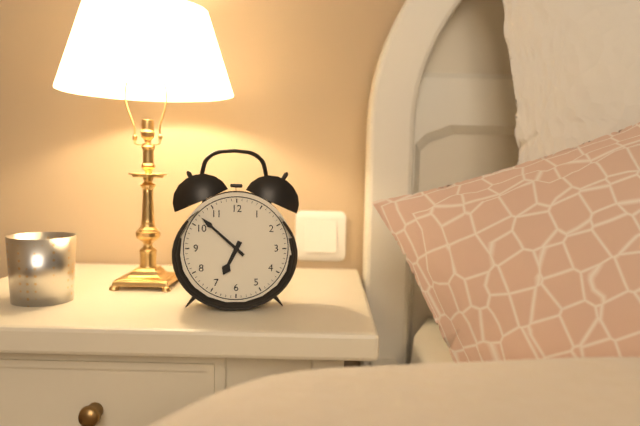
6:52
